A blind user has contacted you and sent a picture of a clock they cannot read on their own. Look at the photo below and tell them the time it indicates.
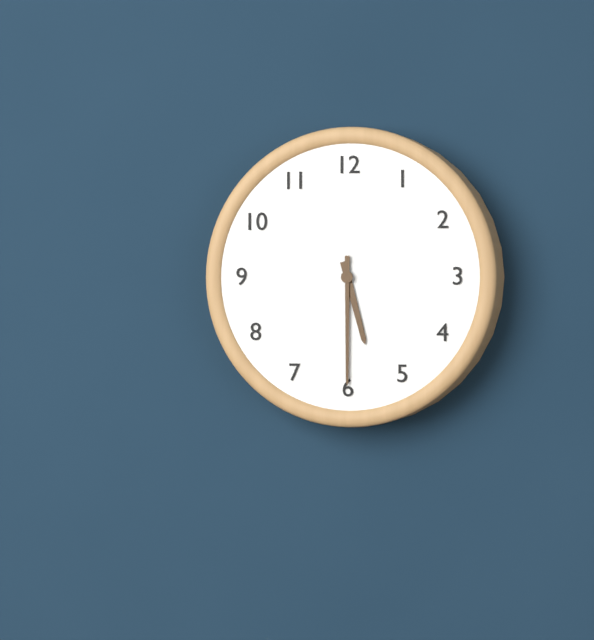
5:30
